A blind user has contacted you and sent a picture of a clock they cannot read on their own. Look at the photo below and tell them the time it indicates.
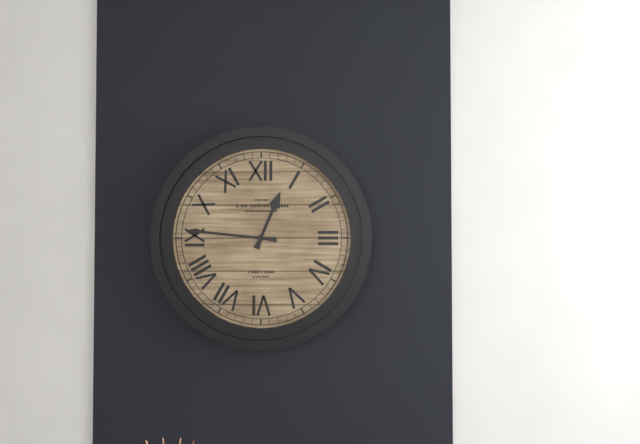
12:46
